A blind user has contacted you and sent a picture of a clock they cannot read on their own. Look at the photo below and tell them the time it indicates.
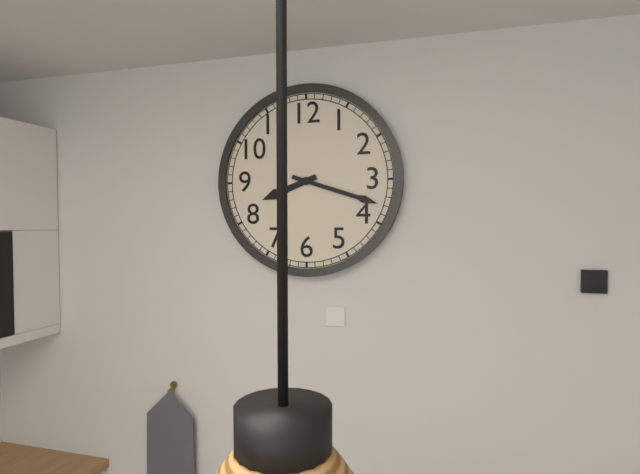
8:18
